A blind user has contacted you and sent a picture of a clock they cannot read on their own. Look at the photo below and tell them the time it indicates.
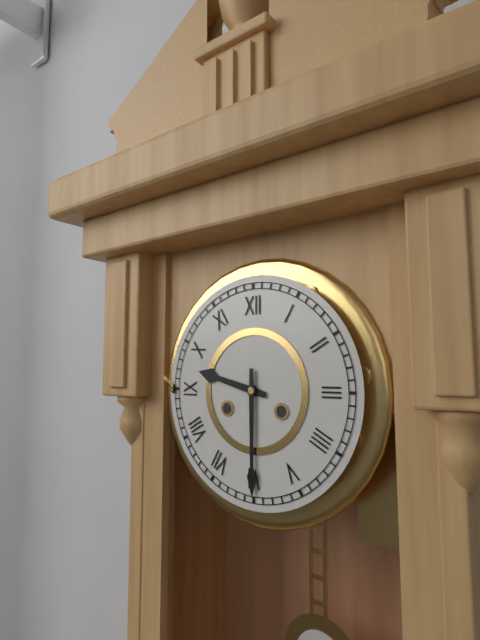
9:30
